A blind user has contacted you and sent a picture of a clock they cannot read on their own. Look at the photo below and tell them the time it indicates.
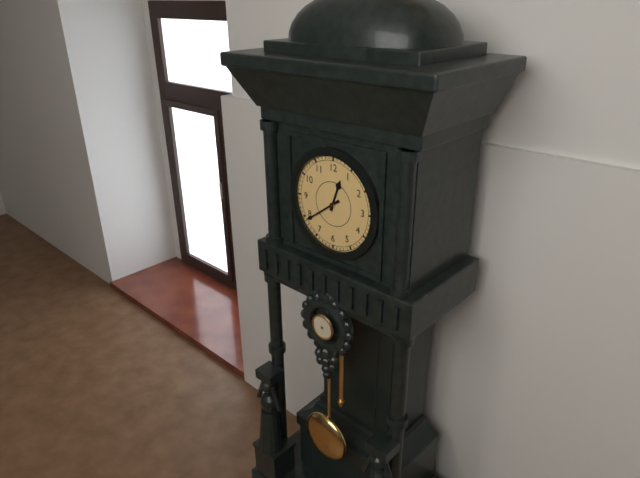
12:39
